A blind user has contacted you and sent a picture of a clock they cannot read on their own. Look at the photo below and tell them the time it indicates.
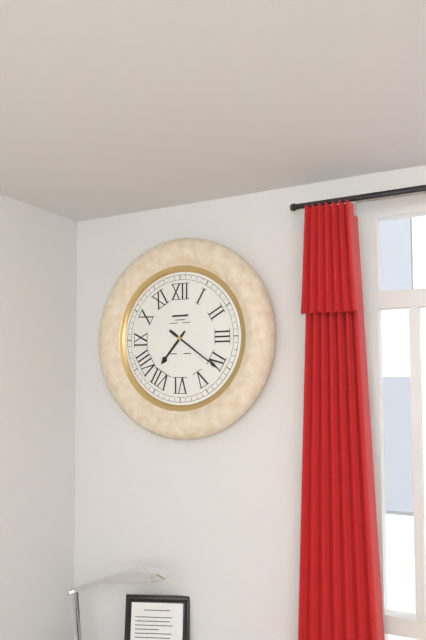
7:21
